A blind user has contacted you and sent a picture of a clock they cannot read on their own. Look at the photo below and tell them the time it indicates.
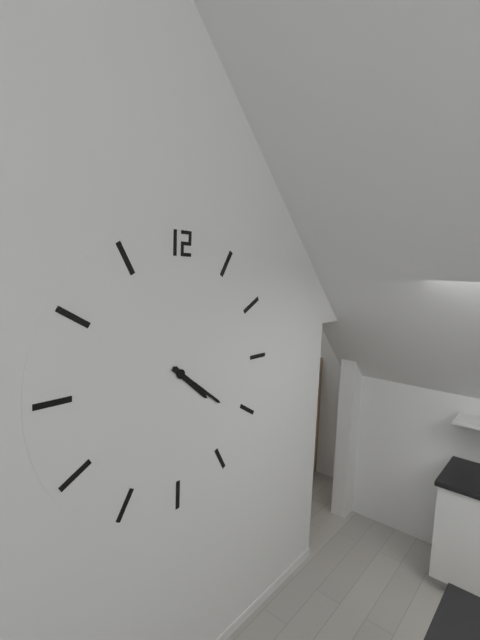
4:21
